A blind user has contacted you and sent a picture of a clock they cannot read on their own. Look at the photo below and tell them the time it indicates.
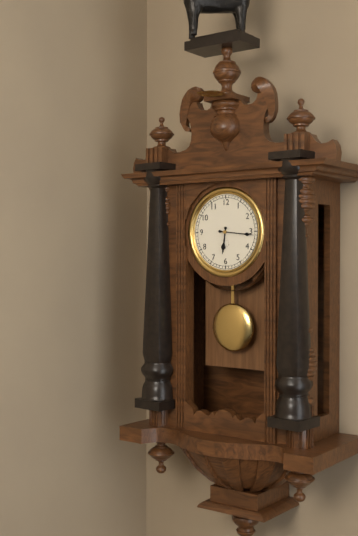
6:16
